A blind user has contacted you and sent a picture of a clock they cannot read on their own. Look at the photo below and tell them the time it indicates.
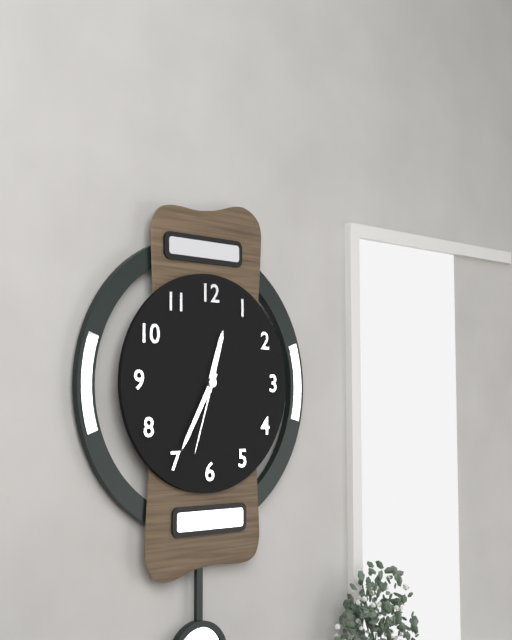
12:35:33
